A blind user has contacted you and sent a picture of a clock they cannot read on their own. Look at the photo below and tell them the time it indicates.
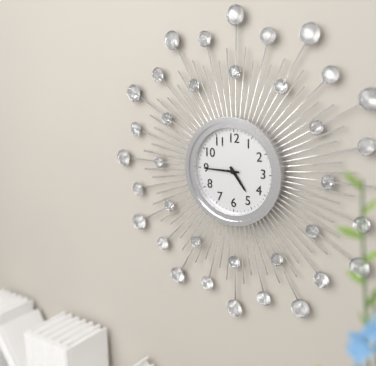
4:45
